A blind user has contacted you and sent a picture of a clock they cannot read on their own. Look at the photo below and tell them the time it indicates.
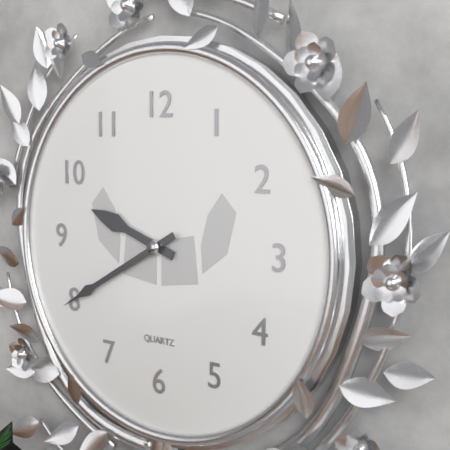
9:40
